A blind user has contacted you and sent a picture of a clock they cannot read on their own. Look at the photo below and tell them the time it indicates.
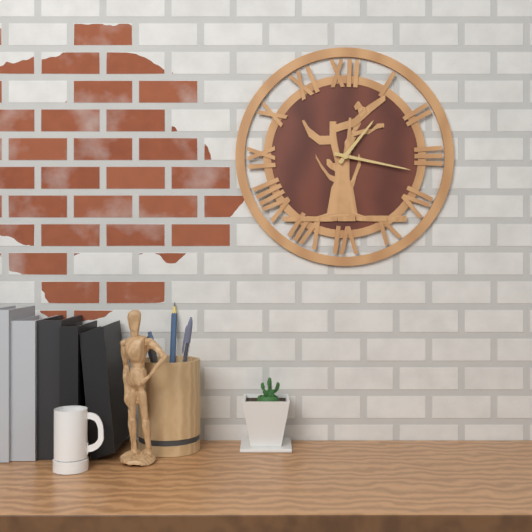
1:17
